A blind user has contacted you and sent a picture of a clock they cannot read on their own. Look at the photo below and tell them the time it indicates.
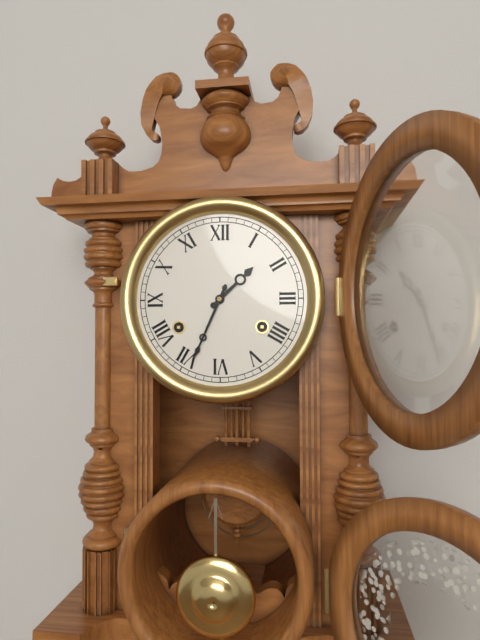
1:34
